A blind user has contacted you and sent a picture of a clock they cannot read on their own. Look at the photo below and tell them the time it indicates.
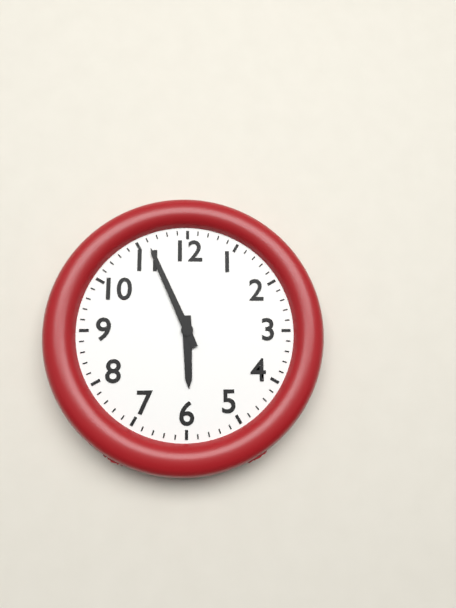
5:56
